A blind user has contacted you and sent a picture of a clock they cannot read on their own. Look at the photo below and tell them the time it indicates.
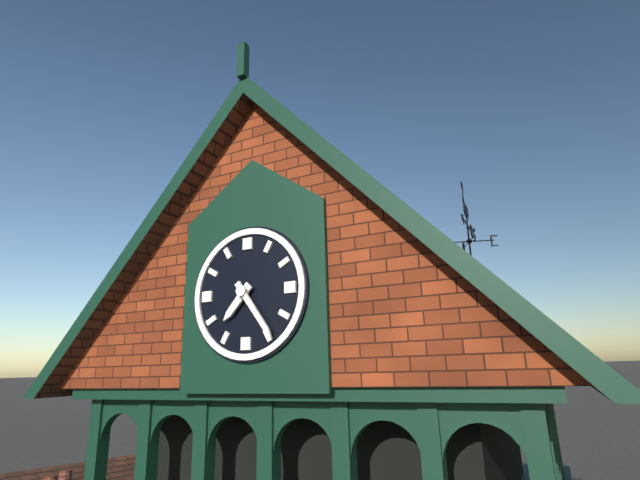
7:24
